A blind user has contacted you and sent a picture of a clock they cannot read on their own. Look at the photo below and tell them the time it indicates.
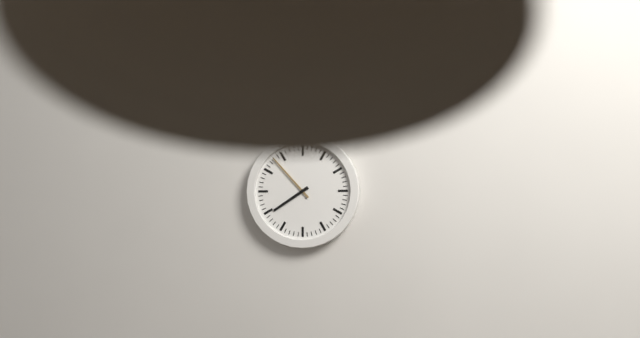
7:53
